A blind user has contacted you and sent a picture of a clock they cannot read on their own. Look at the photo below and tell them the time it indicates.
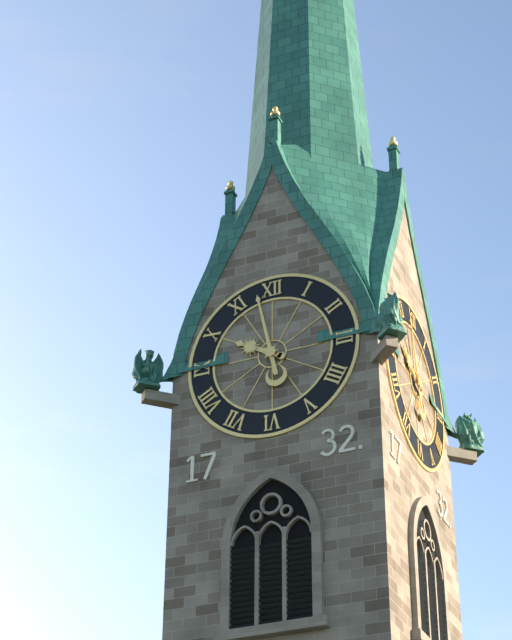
9:58
